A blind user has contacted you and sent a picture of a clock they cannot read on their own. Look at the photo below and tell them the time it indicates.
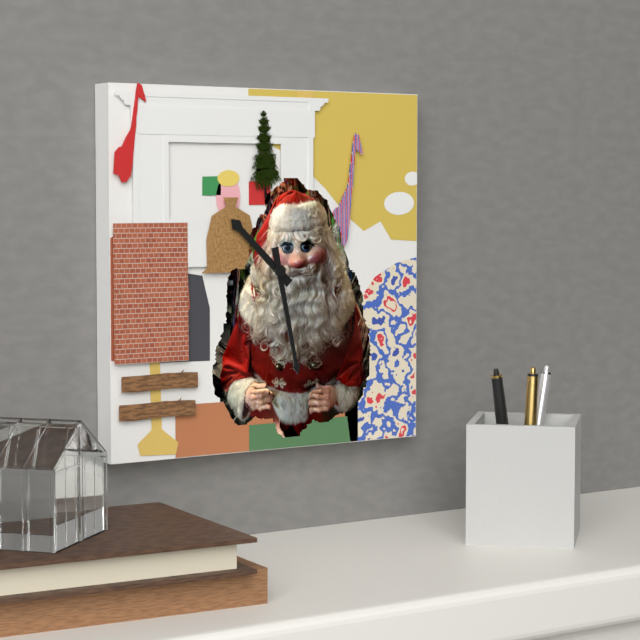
10:28
